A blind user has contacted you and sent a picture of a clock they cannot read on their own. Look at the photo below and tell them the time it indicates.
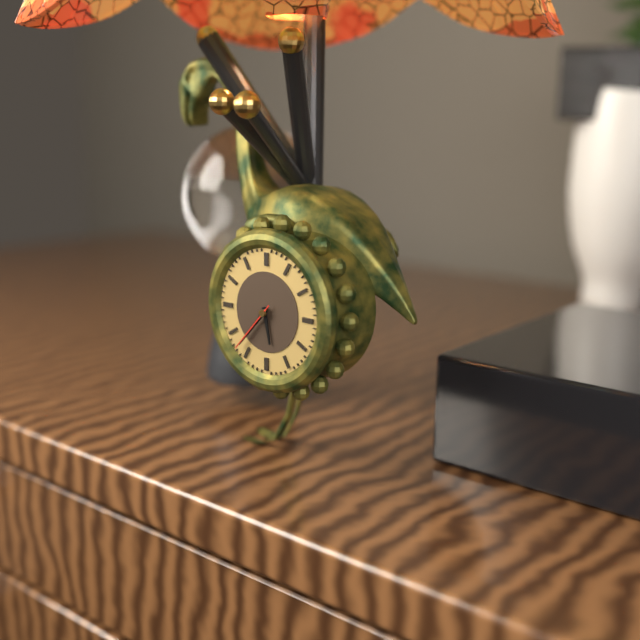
5:37:37
